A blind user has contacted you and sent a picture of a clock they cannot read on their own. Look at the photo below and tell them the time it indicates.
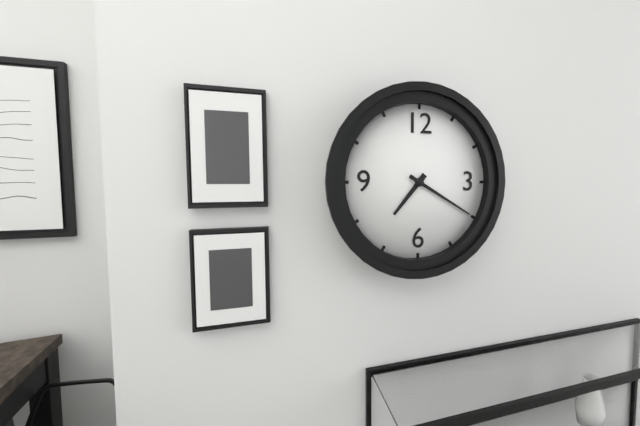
7:20
